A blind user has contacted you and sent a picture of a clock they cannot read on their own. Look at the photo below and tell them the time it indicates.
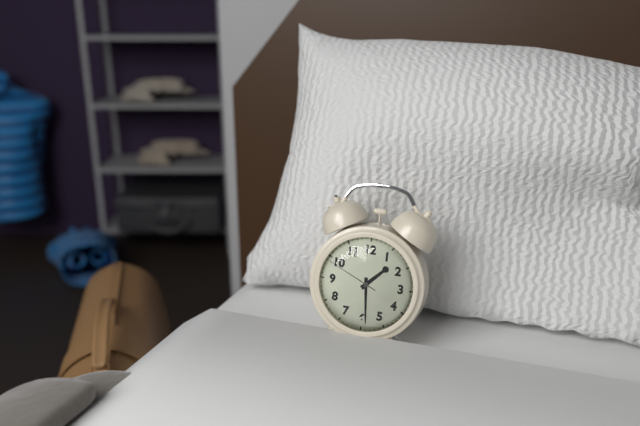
1:29:49
